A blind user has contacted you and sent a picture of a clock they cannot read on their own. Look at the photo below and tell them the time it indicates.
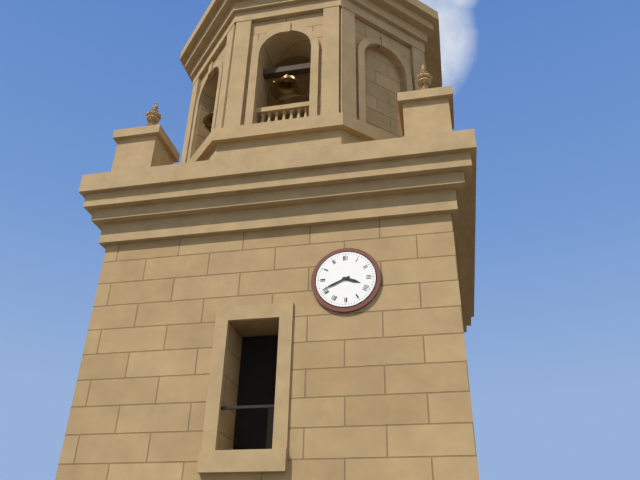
3:41
